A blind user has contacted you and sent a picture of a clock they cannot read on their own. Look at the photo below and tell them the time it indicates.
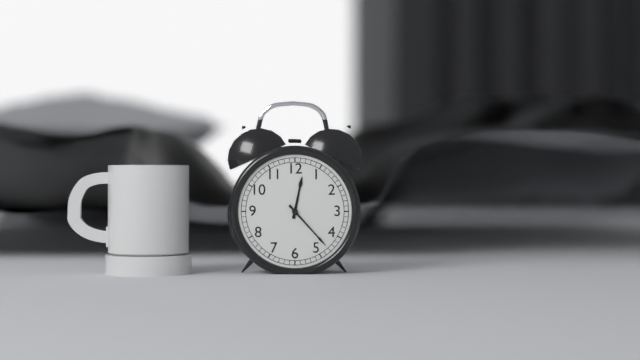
12:23
